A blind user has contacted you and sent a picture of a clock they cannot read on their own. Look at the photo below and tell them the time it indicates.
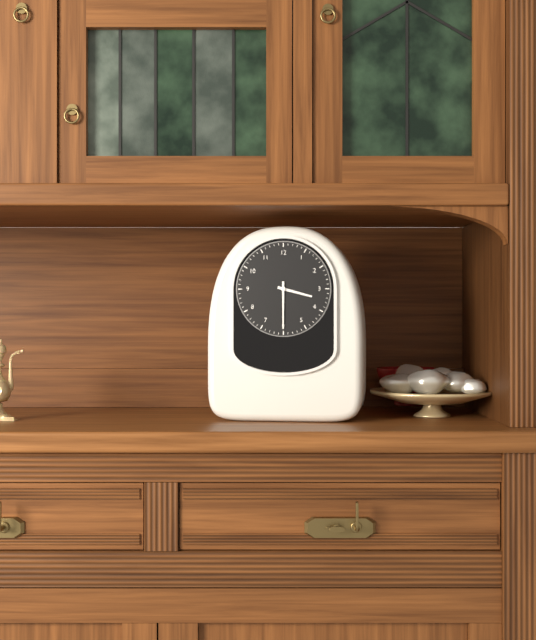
3:30
